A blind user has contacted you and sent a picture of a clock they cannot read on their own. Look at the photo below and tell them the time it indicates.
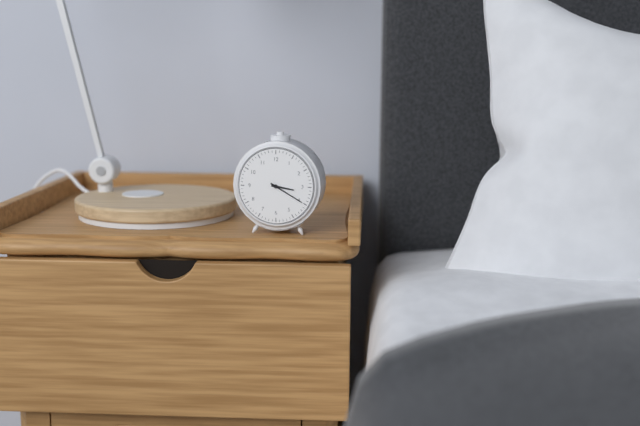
3:20
